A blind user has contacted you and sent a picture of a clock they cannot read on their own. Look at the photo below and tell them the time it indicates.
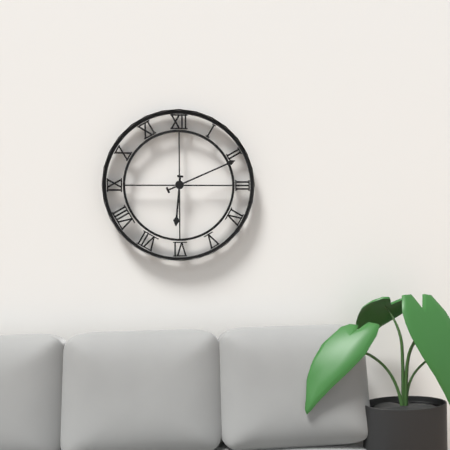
6:11
